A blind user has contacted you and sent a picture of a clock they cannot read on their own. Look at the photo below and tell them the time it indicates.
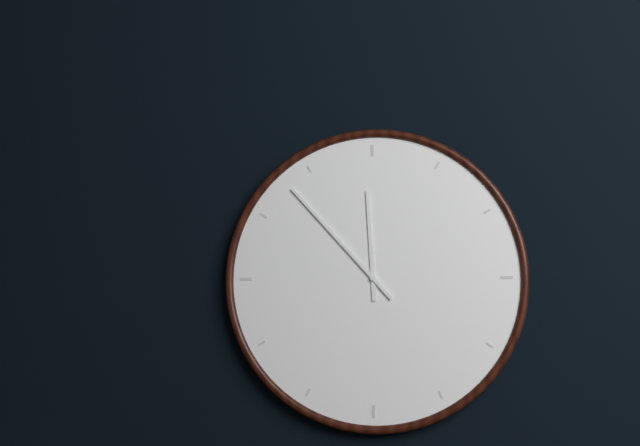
11:53
